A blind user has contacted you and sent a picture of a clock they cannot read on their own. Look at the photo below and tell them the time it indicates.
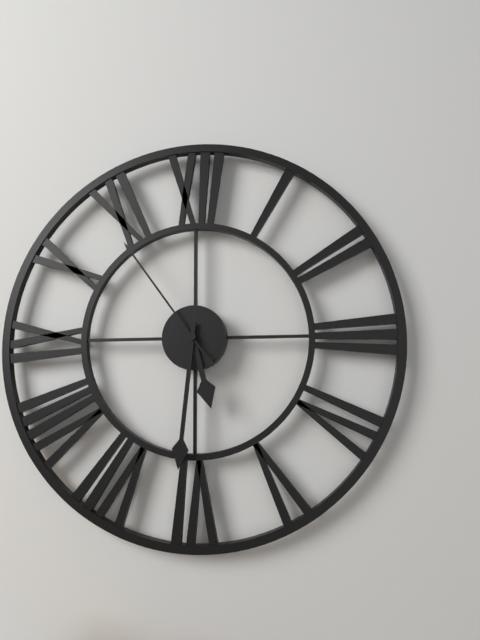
5:31:54
